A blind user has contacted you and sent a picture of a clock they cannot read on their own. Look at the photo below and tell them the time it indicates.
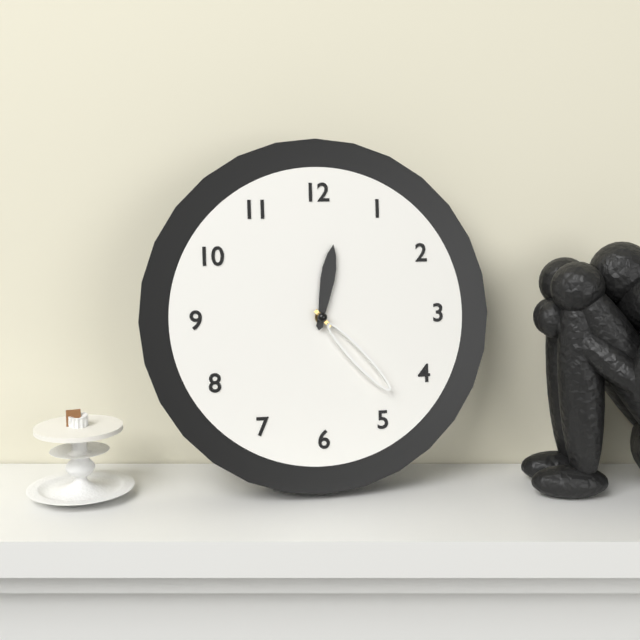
12:23
